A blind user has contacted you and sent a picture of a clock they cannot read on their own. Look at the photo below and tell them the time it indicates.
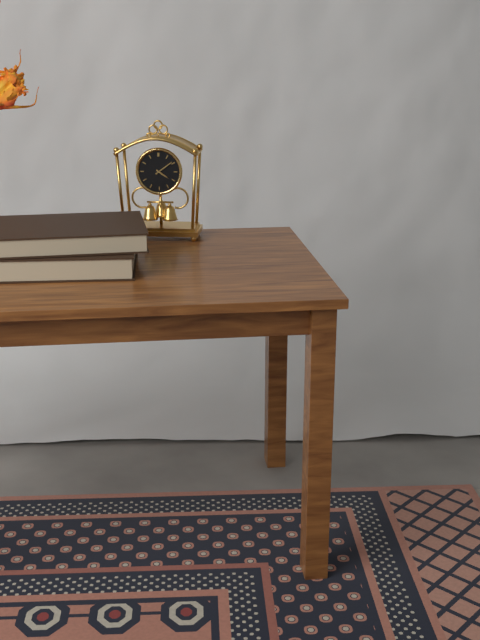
4:09
